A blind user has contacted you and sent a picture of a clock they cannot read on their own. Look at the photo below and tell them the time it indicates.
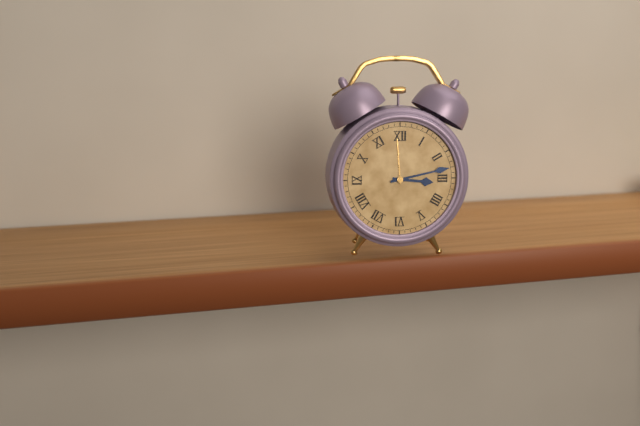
3:13
